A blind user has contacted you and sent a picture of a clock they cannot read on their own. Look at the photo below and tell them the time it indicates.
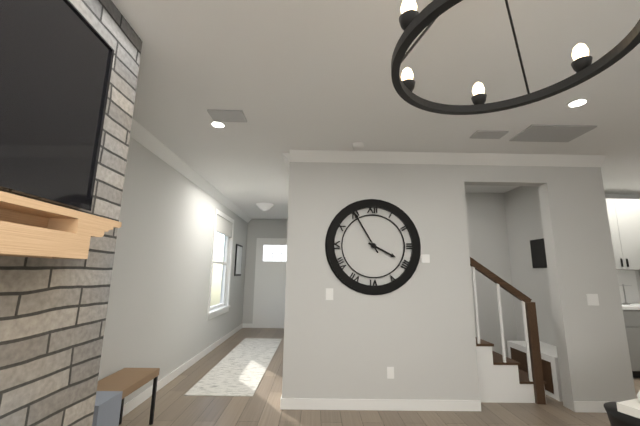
3:55
